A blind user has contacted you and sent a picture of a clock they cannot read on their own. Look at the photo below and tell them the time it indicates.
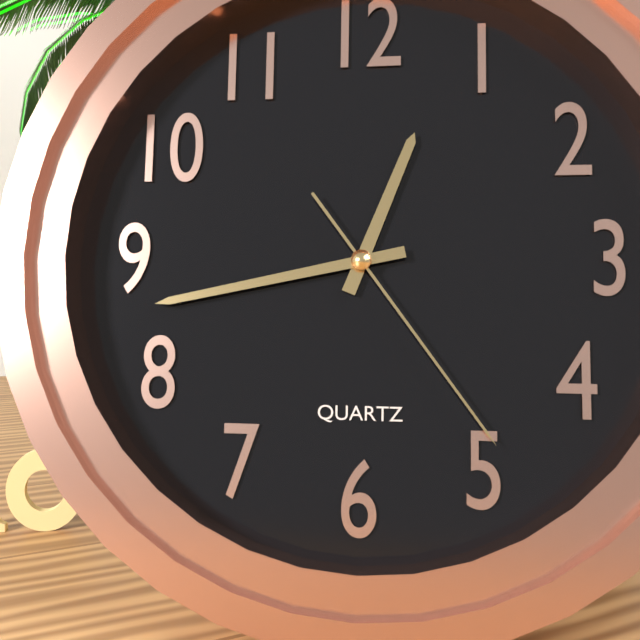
12:43:24
